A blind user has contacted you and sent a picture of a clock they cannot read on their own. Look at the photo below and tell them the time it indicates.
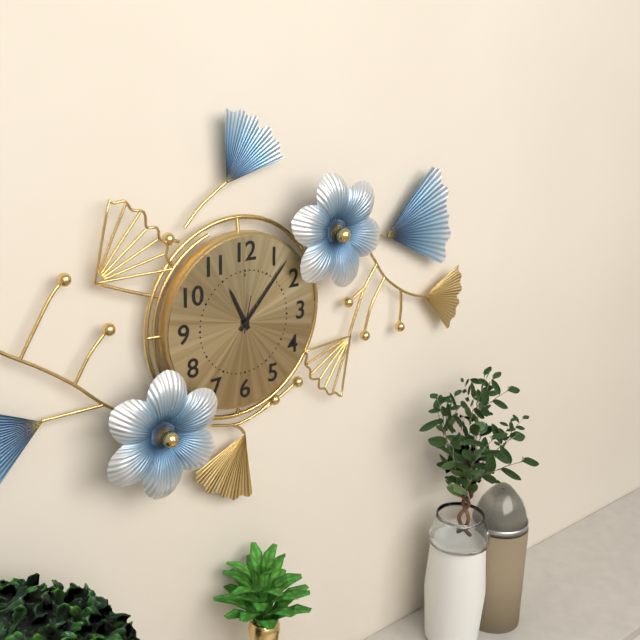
11:07
